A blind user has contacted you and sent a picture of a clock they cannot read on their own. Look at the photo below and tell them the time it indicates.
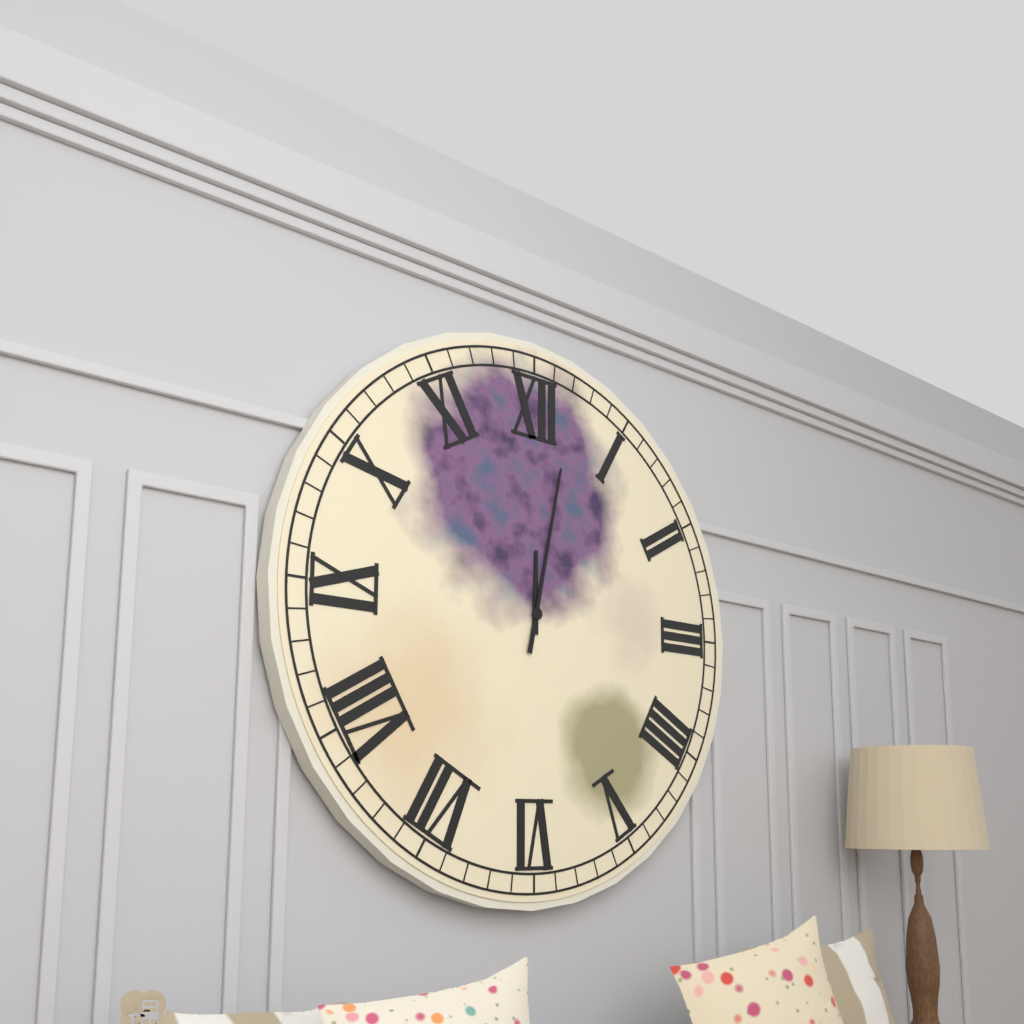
12:02
